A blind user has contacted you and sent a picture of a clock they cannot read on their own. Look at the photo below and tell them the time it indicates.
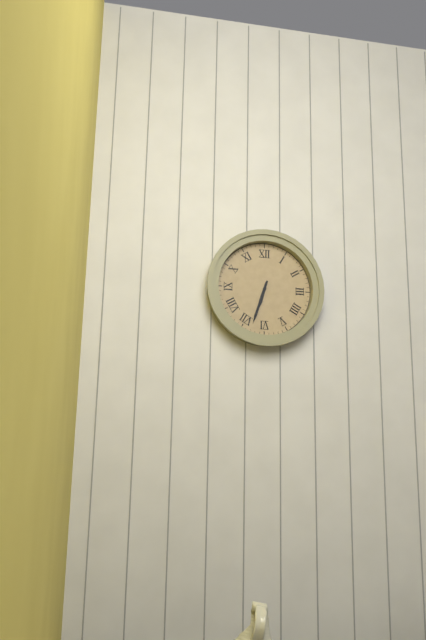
6:33
